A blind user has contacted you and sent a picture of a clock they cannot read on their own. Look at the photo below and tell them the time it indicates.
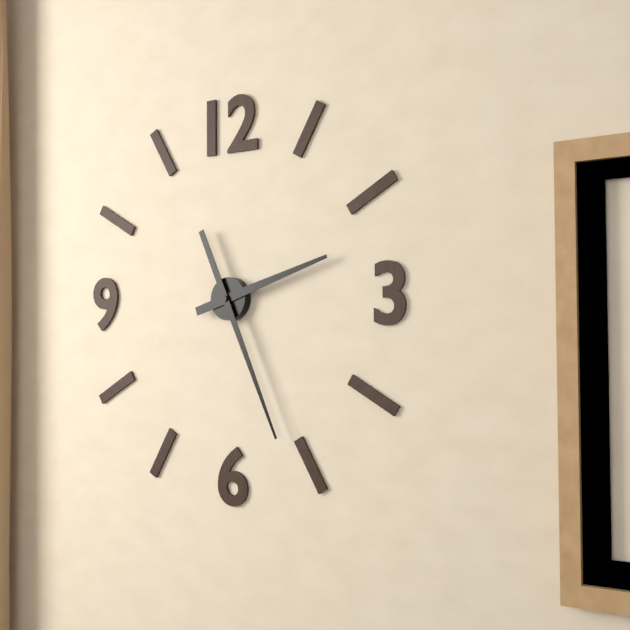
2:26
